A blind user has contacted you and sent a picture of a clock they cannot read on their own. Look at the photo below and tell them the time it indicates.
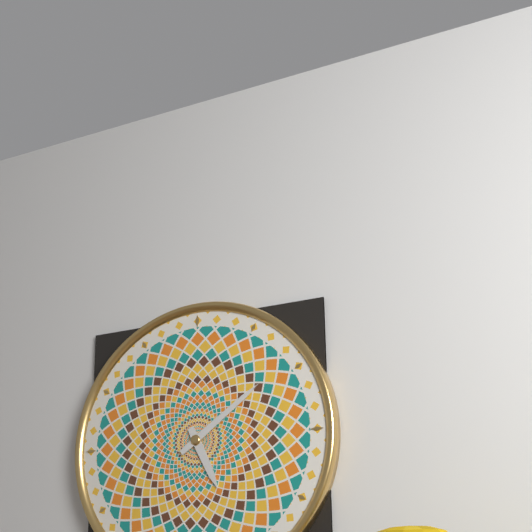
5:09
